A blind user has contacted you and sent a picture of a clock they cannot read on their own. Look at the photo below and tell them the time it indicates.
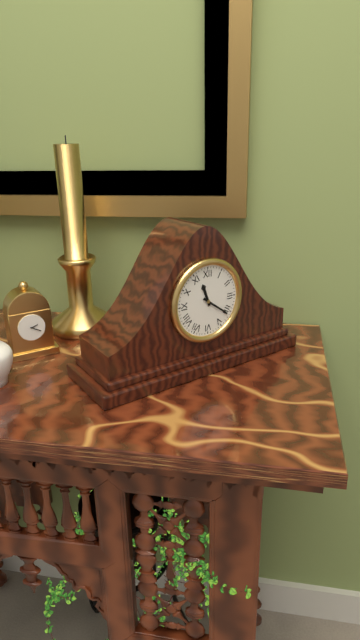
11:21
